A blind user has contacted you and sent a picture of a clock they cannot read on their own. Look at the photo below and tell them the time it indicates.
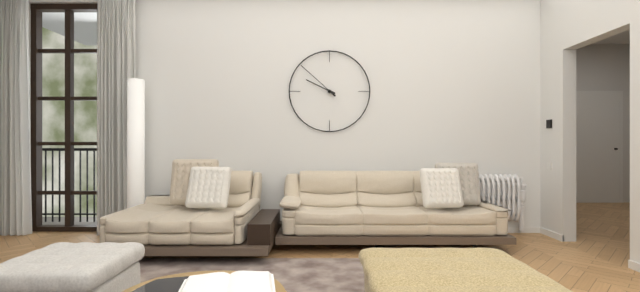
9:52
